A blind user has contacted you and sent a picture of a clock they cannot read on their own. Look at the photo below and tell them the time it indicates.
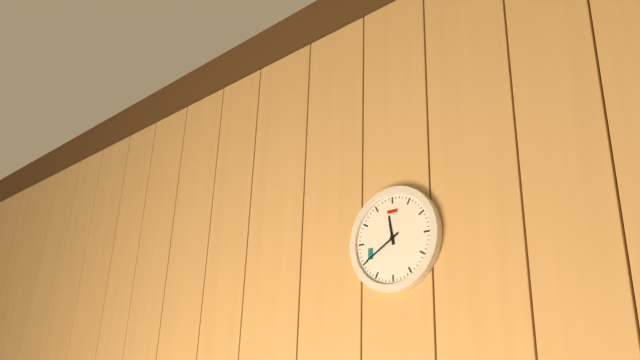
11:40
